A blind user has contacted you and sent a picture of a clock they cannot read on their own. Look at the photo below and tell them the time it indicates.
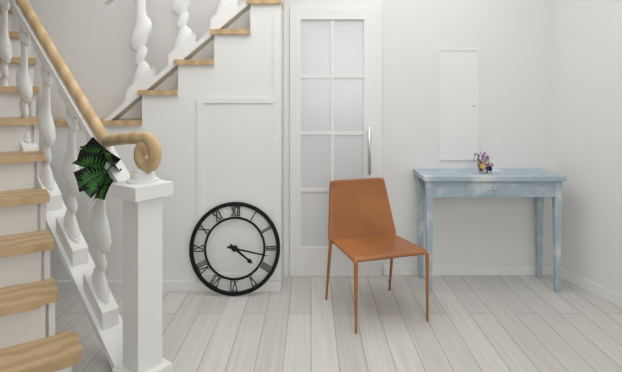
4:17
